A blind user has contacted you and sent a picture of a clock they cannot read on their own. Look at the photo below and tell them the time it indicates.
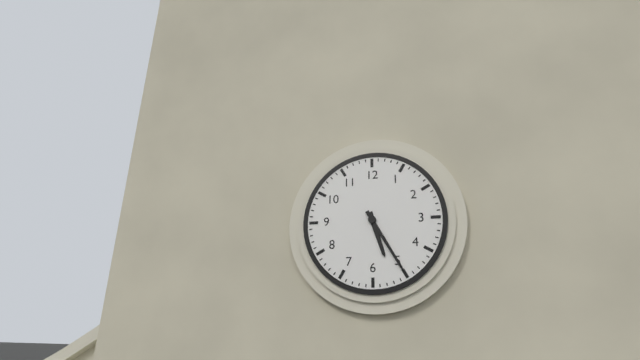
5:25
